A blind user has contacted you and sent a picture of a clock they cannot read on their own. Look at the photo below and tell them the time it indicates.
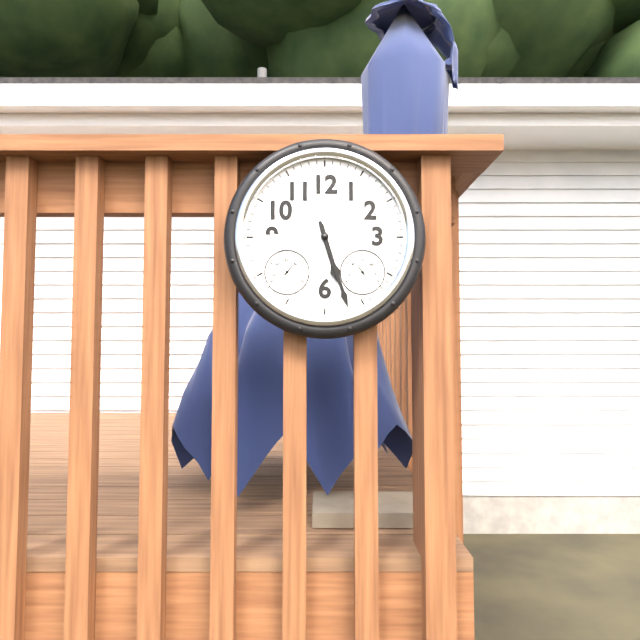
5:27
